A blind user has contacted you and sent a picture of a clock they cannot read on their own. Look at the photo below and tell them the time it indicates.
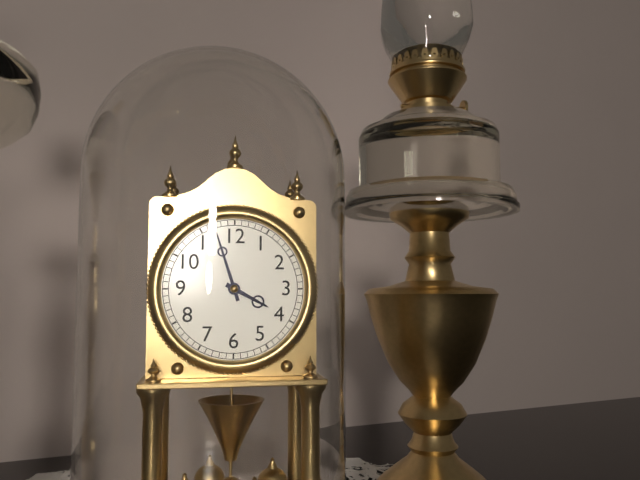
3:57
